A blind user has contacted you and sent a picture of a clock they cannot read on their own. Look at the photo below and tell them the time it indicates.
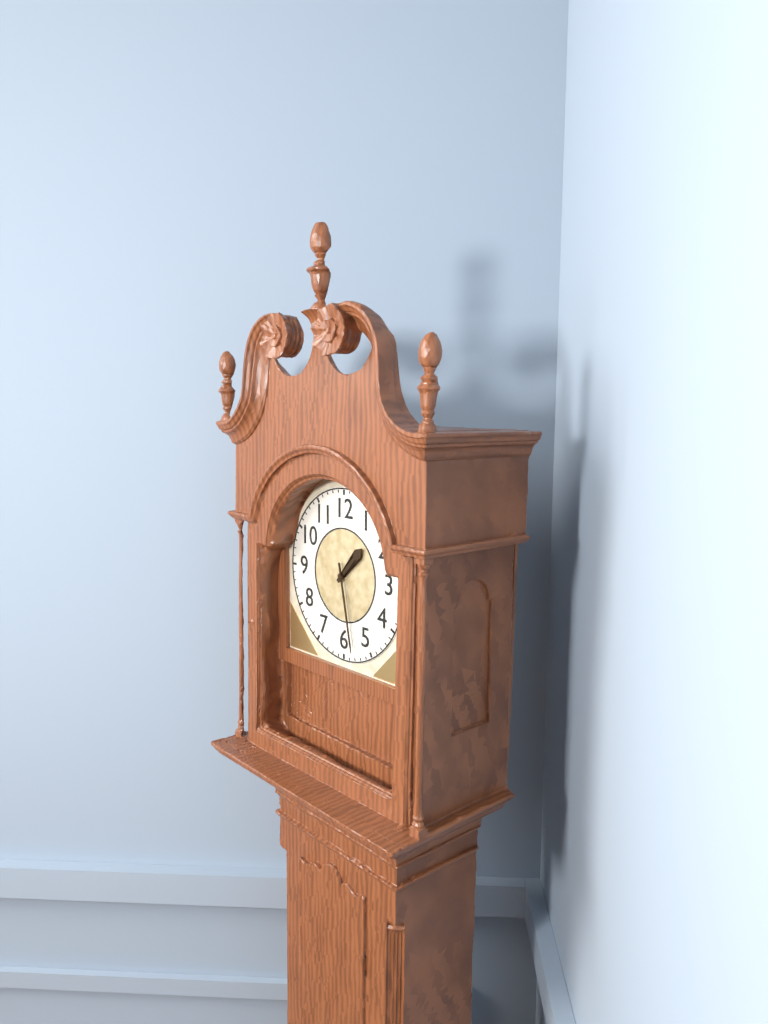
1:28
